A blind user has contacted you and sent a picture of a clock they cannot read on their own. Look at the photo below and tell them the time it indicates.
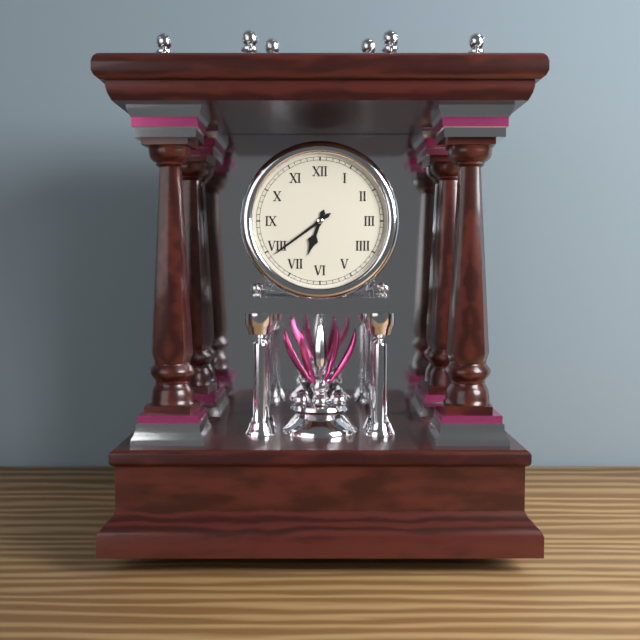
6:39
